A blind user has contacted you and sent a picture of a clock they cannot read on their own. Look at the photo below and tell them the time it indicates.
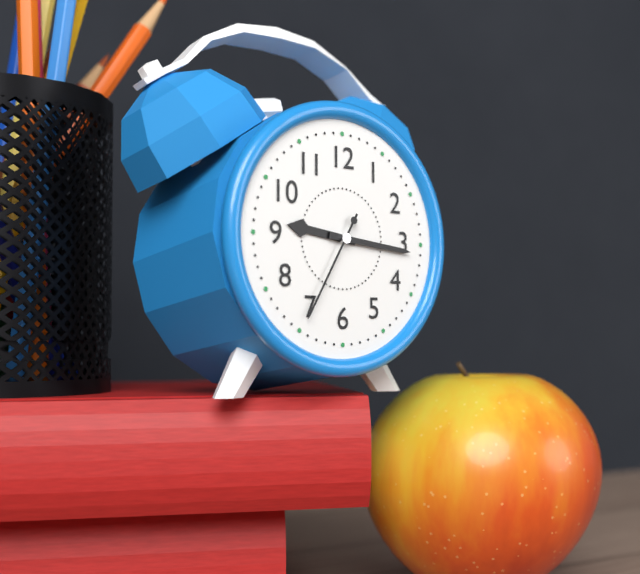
9:16:35
